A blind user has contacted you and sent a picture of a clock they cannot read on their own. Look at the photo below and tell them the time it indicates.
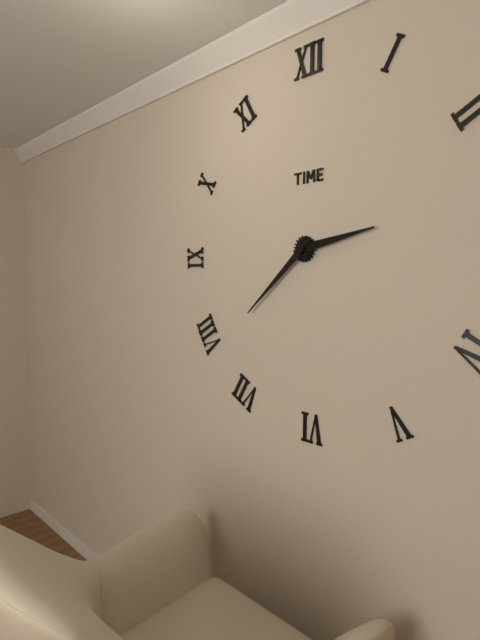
2:38
